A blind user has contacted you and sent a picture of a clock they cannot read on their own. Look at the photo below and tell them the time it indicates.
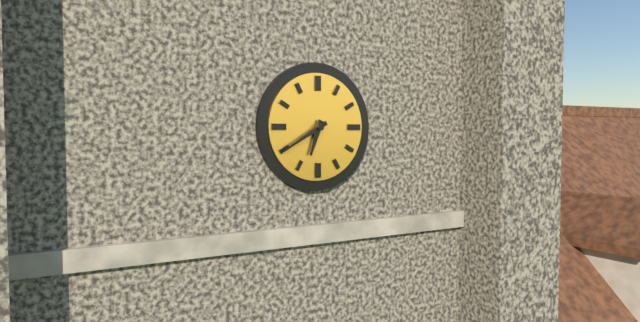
6:40
